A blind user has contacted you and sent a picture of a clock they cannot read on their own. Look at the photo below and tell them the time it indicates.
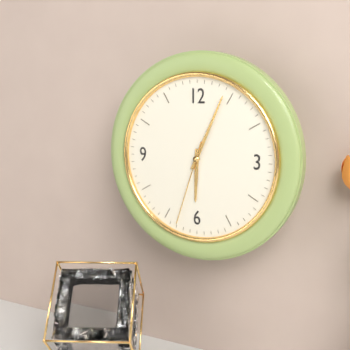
6:04:33
